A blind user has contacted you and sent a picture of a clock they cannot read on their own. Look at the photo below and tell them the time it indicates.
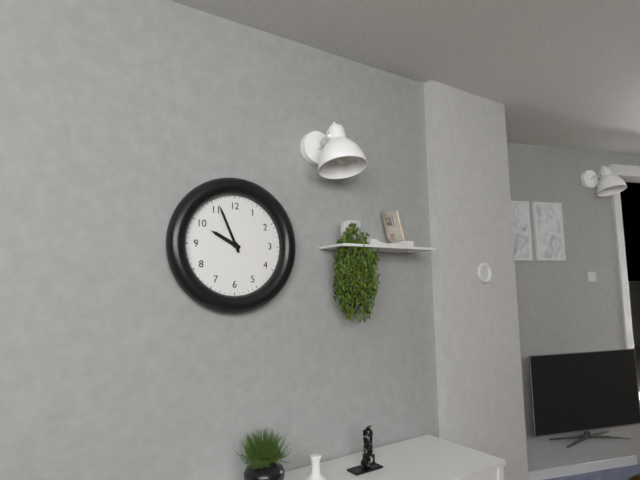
9:56
